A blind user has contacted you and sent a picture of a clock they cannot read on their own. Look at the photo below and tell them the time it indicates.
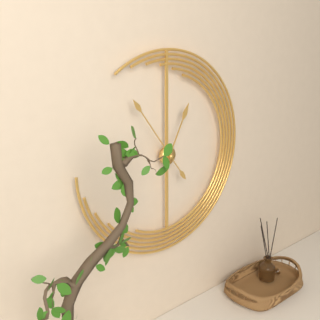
12:54
